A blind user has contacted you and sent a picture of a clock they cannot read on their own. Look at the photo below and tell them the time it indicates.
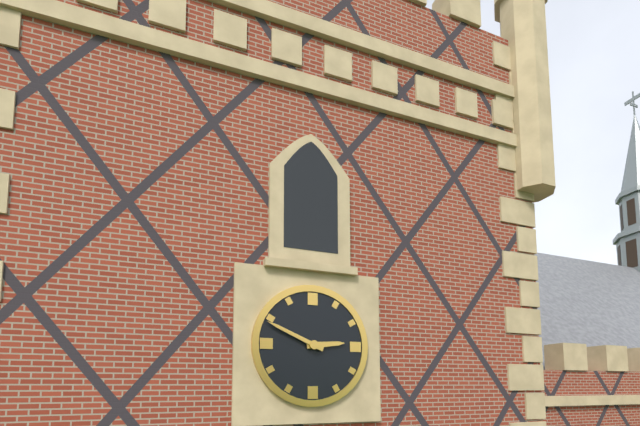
2:49
